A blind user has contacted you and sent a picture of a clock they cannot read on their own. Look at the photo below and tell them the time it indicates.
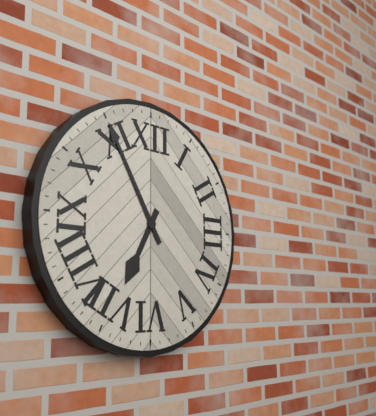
6:55
